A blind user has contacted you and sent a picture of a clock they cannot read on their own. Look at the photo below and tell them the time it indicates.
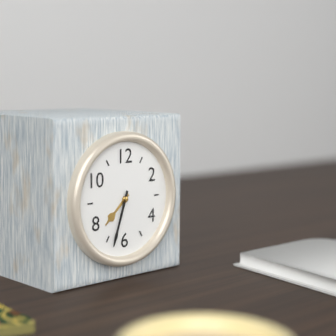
7:33
